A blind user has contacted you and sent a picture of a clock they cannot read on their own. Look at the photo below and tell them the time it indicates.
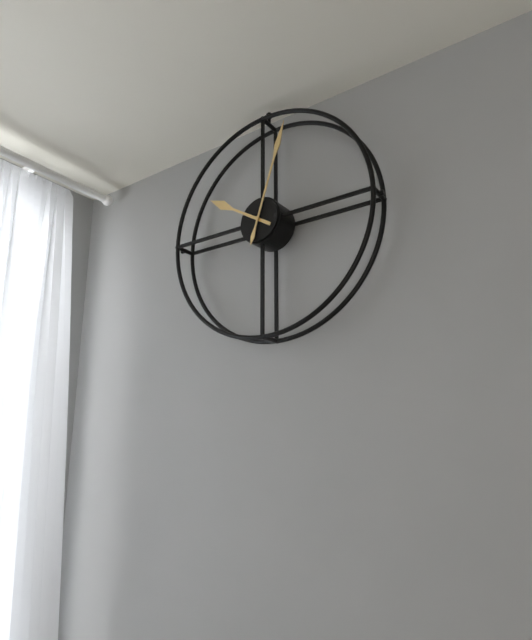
10:03
